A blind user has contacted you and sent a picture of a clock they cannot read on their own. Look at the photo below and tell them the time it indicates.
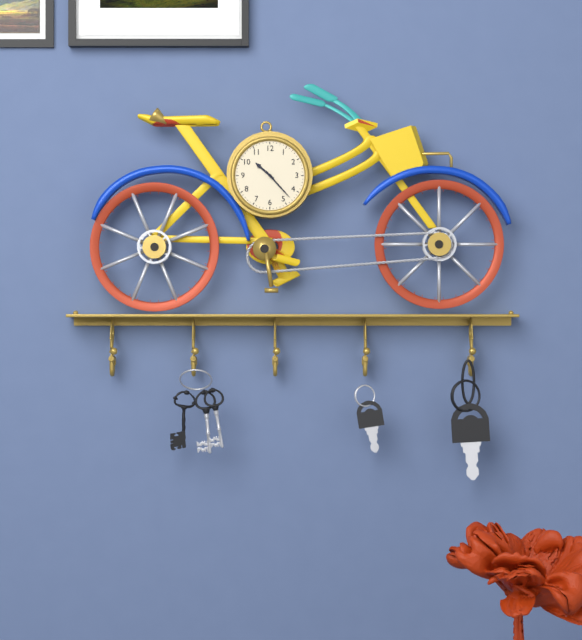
10:23
